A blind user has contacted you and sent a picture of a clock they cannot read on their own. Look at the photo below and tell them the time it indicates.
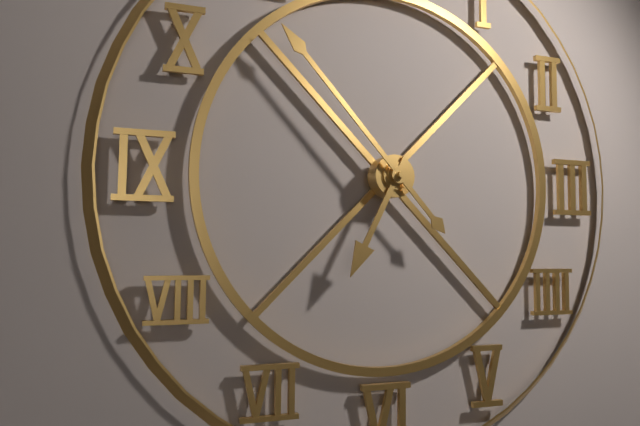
6:53
